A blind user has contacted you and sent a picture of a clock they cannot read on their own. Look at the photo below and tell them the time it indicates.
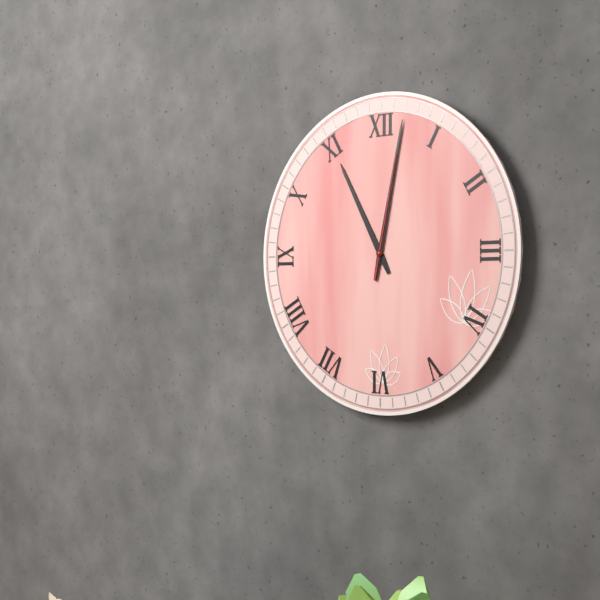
11:02:02
